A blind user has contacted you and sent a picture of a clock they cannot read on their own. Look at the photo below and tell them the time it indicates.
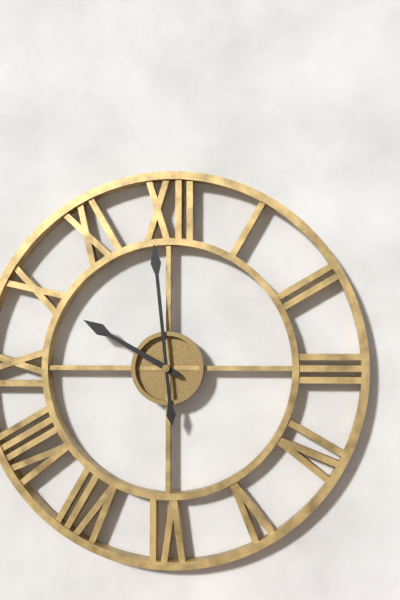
9:59
